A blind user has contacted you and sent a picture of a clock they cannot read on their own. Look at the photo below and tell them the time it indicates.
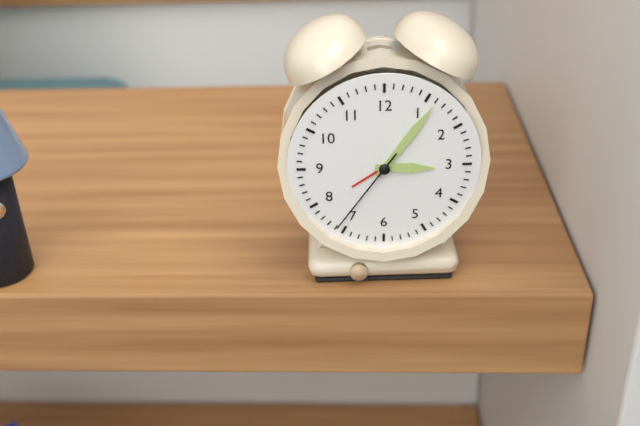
3:06:36
